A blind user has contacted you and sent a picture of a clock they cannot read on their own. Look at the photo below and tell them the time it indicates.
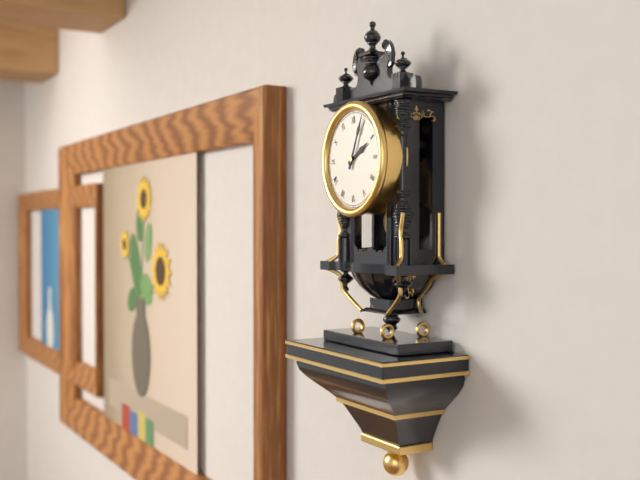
2:04
